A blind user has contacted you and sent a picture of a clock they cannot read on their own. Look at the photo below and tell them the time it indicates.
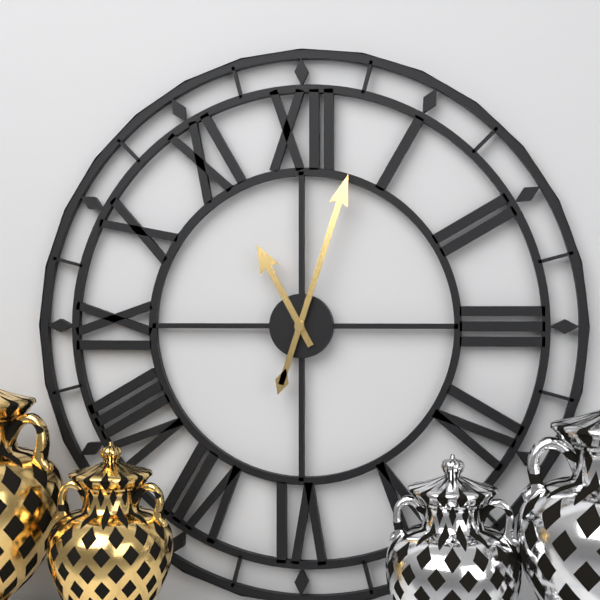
11:03
